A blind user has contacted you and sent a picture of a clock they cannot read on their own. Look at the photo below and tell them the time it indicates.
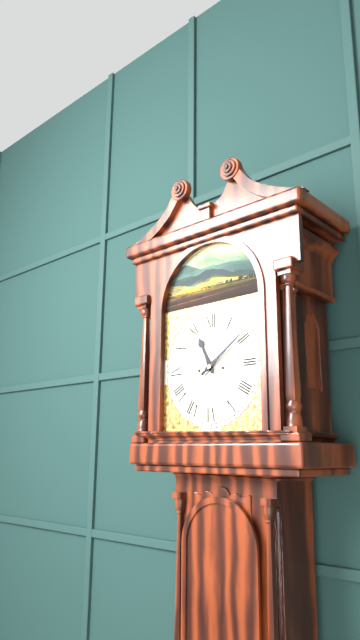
11:09
